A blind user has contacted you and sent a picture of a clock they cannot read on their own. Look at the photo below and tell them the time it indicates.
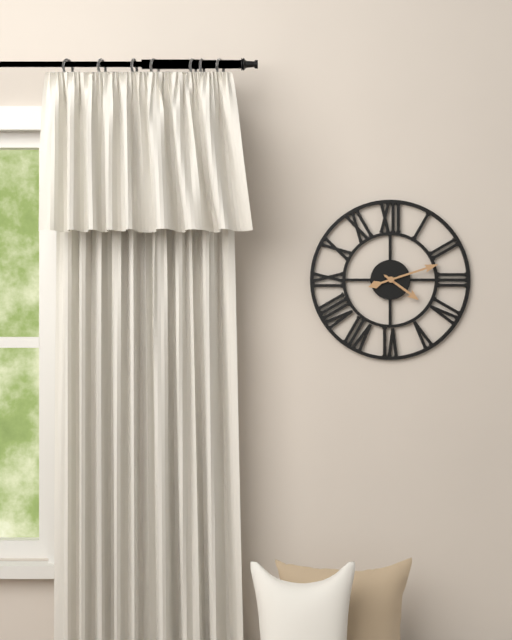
4:12
